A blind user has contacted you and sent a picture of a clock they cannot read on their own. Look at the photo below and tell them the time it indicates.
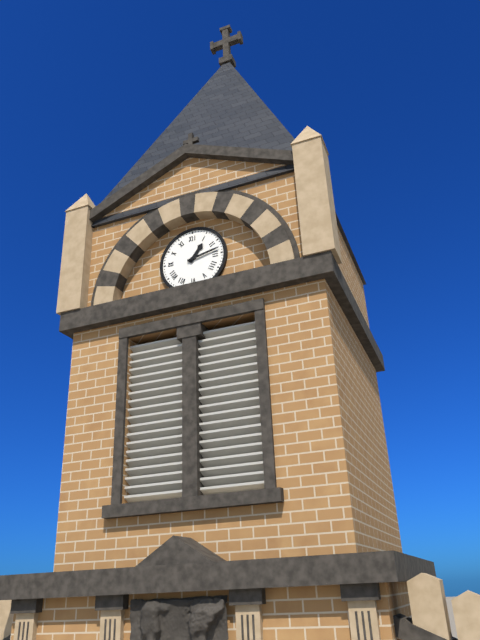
1:13
